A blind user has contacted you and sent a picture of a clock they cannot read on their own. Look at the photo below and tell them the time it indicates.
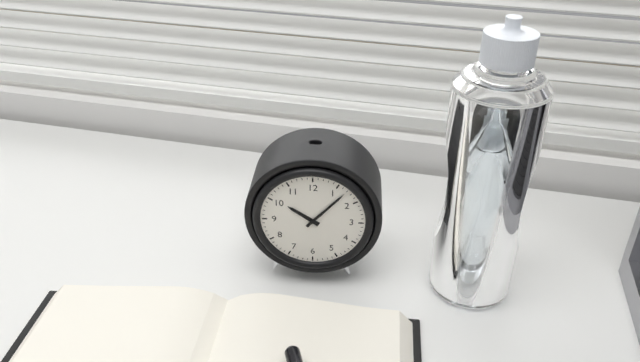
10:07
